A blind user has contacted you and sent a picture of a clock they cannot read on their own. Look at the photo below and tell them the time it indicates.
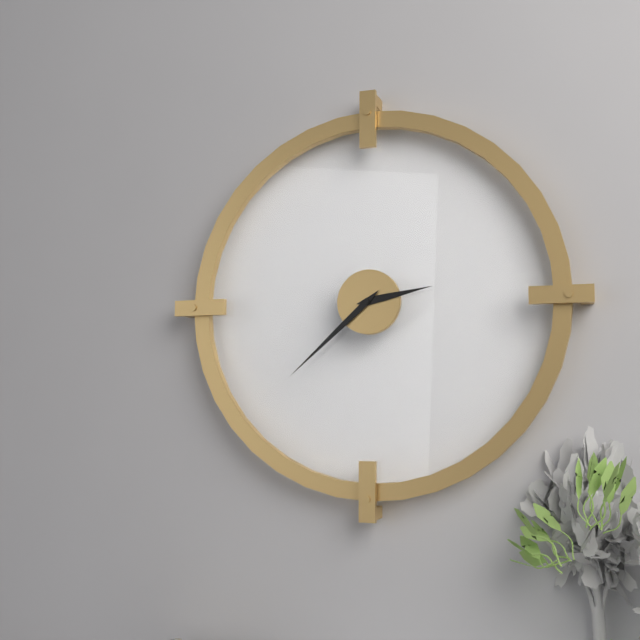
2:38
